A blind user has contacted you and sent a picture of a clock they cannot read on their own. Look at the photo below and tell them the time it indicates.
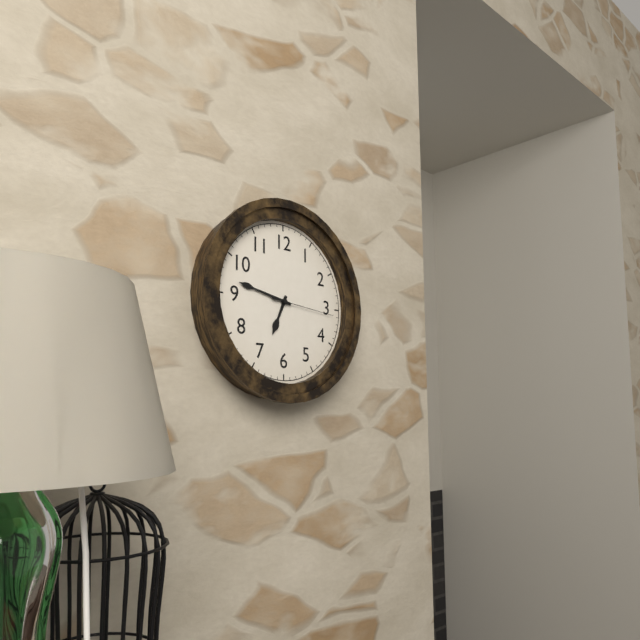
6:47:16
